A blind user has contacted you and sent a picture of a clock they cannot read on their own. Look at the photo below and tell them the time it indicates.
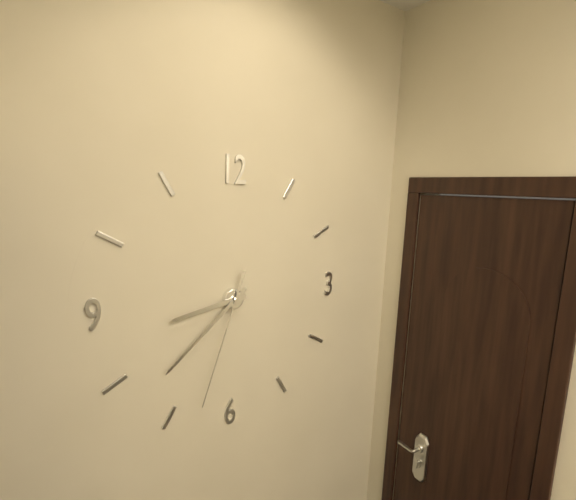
8:38:33
